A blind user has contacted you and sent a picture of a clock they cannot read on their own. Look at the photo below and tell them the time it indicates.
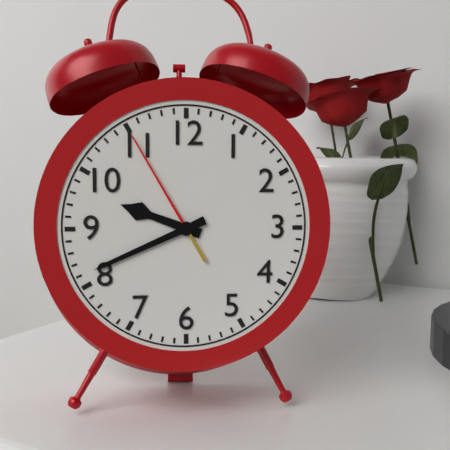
9:41:55
